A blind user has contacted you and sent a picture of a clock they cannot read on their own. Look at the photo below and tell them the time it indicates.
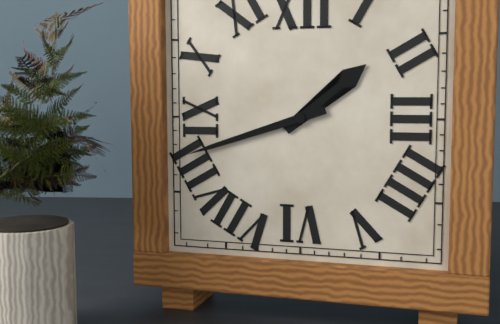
1:42
